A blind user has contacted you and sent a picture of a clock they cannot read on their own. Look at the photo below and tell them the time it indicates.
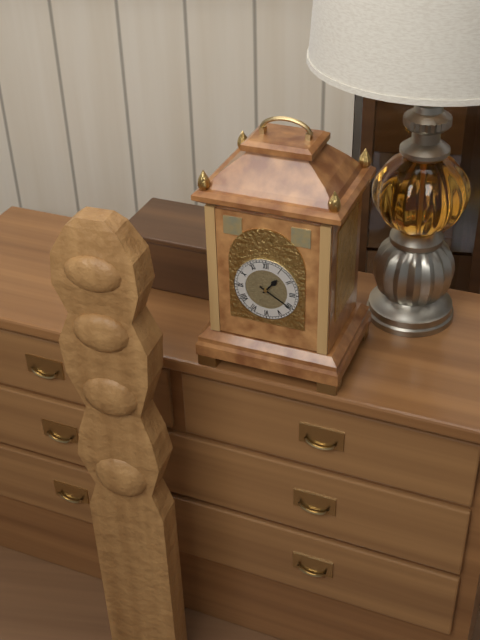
1:20
